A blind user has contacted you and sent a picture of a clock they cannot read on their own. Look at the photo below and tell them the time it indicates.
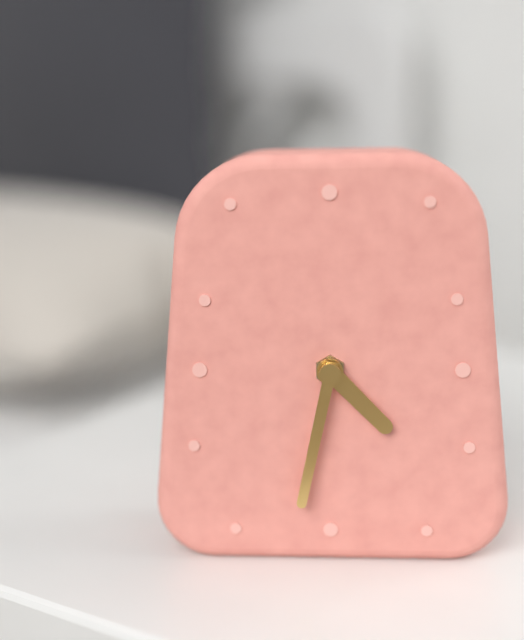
4:32
